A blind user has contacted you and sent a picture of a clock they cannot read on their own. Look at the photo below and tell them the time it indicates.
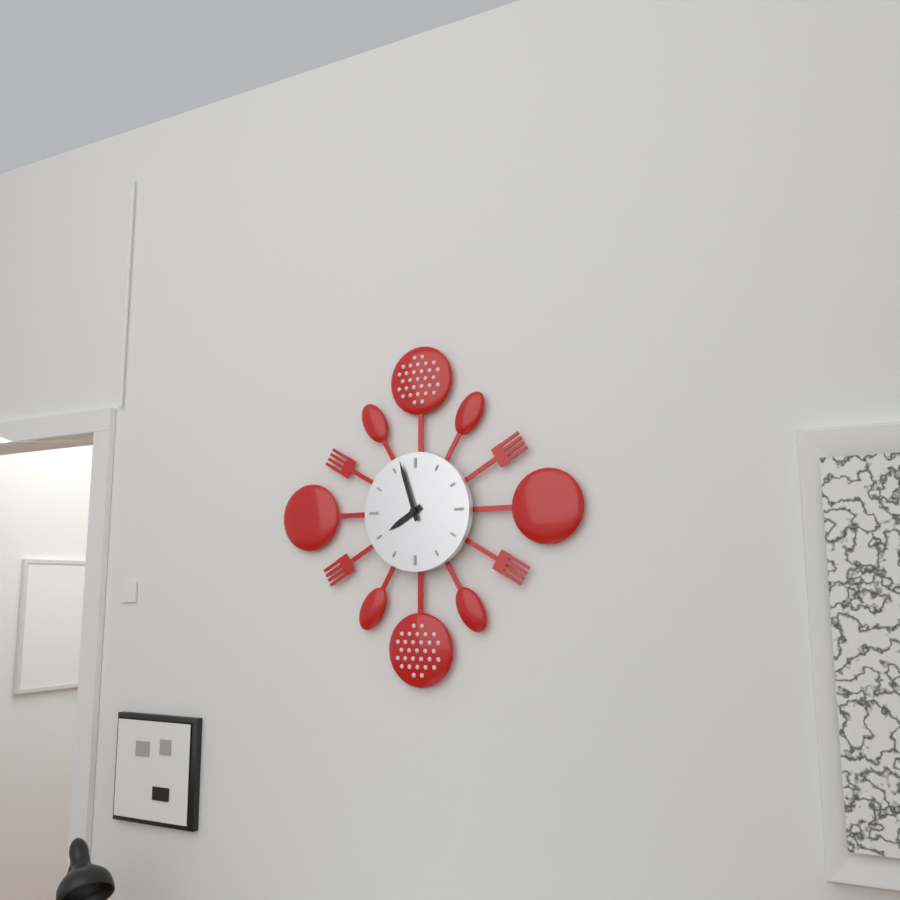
7:57
